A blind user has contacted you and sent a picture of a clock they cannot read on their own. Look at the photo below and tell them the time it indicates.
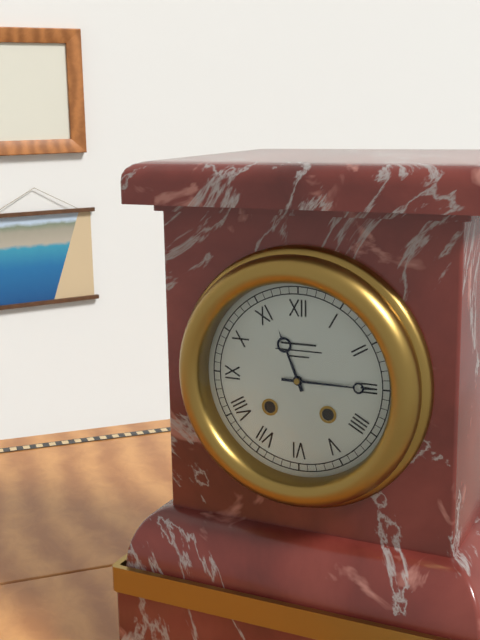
11:15
